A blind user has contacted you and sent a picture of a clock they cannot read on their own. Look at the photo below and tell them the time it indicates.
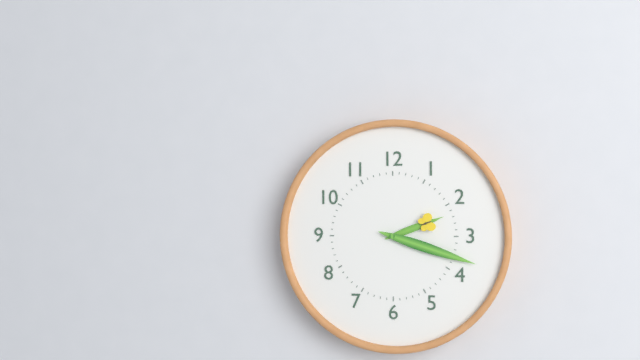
2:18
